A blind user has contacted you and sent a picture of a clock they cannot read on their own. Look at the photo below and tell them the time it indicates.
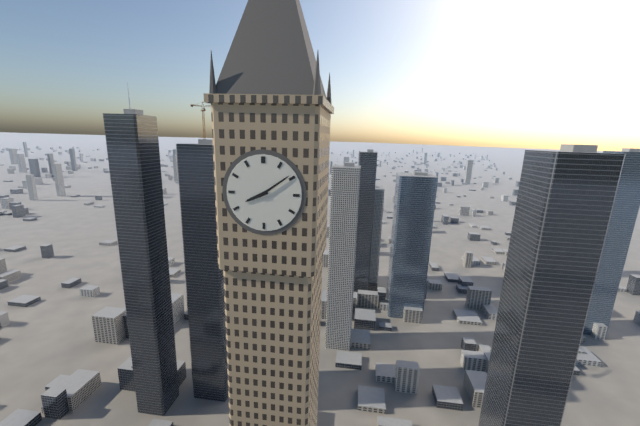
8:09
